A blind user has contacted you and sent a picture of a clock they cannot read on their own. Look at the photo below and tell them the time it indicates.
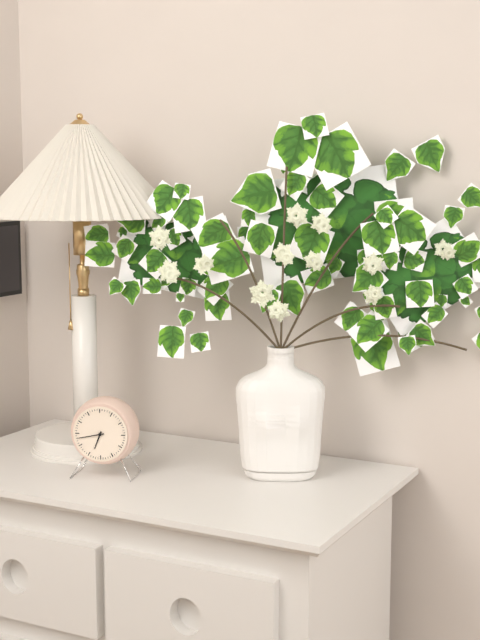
6:43
